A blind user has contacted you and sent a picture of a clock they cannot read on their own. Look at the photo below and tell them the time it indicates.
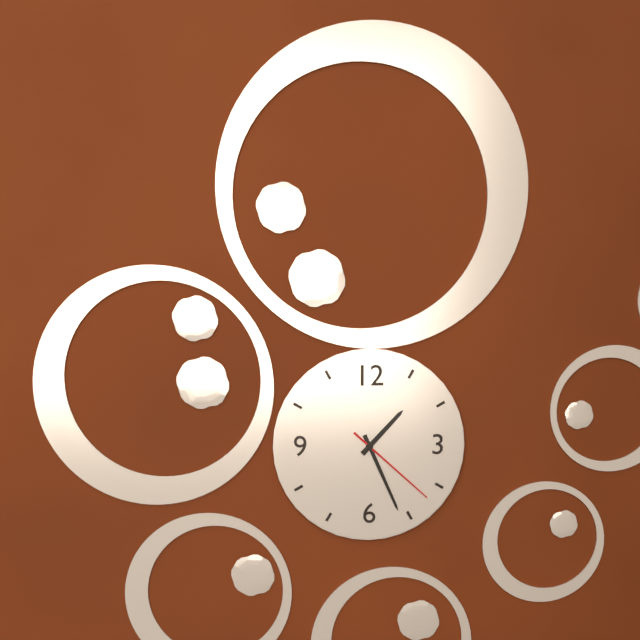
1:26:22
